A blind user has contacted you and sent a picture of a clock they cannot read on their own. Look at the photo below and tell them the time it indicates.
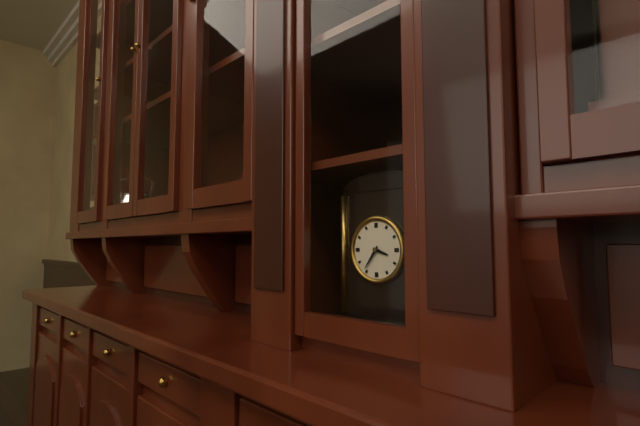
3:36
